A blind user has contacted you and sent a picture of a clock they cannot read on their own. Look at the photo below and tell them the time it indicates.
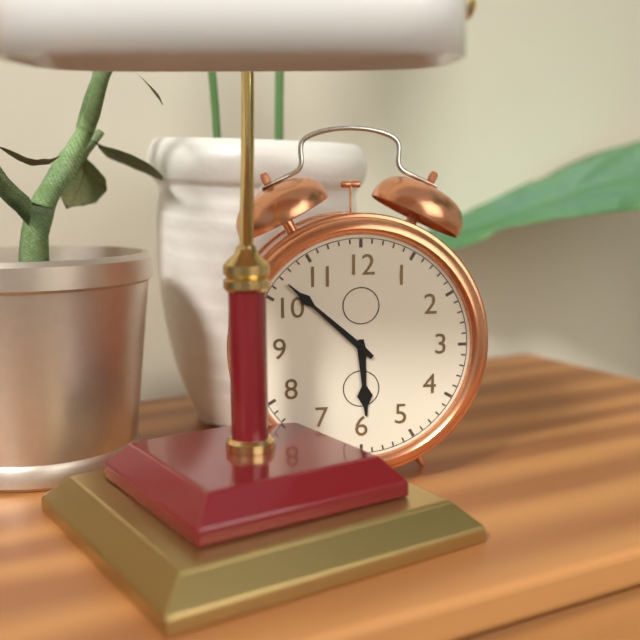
5:52
